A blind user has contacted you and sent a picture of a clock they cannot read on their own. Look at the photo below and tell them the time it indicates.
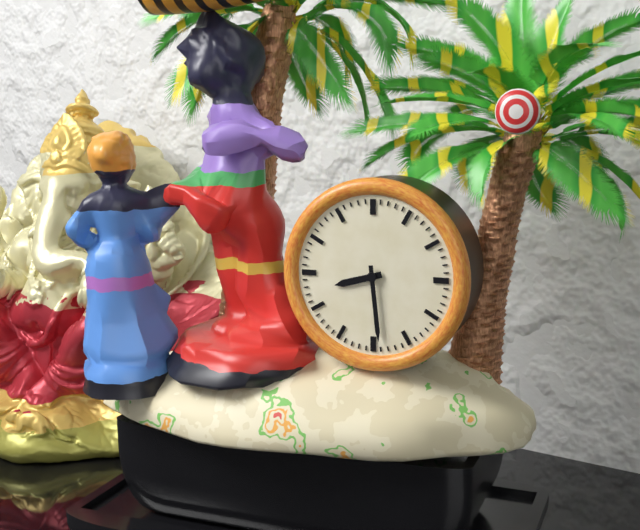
8:29
